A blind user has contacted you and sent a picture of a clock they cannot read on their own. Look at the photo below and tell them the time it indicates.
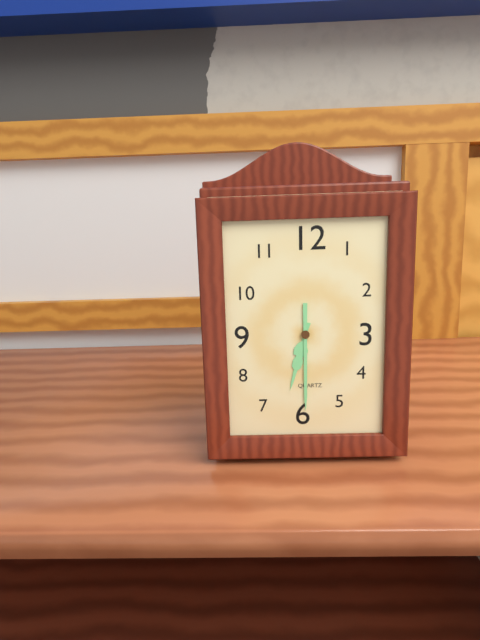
6:30
